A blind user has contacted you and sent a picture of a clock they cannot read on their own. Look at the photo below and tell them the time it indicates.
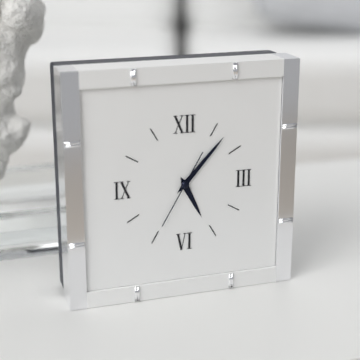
5:07:35
